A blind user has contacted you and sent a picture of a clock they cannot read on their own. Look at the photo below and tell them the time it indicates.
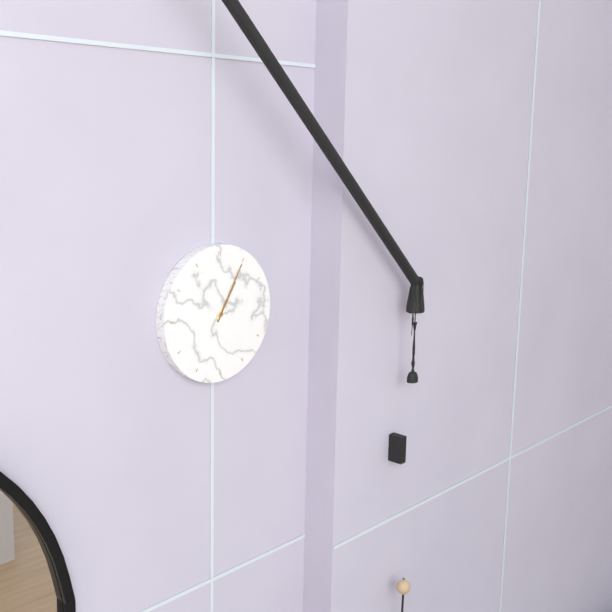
1:05
